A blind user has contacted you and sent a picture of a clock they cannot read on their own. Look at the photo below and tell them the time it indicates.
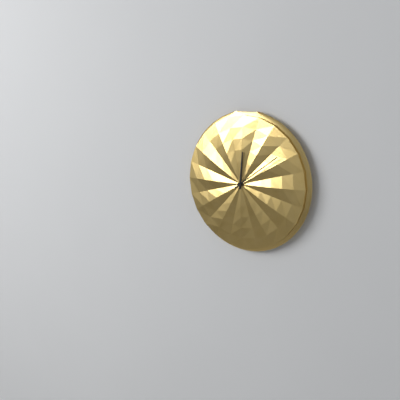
12:09
